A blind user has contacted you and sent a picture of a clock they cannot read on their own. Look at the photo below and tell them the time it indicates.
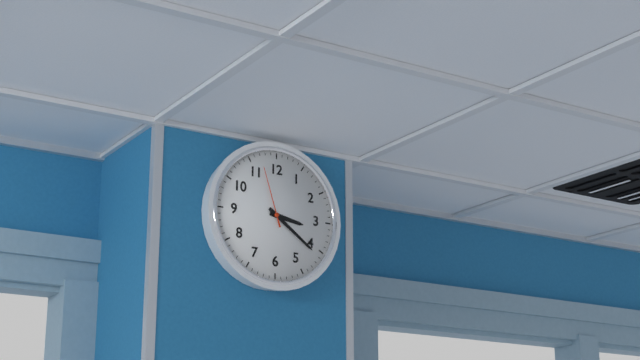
3:21:57
